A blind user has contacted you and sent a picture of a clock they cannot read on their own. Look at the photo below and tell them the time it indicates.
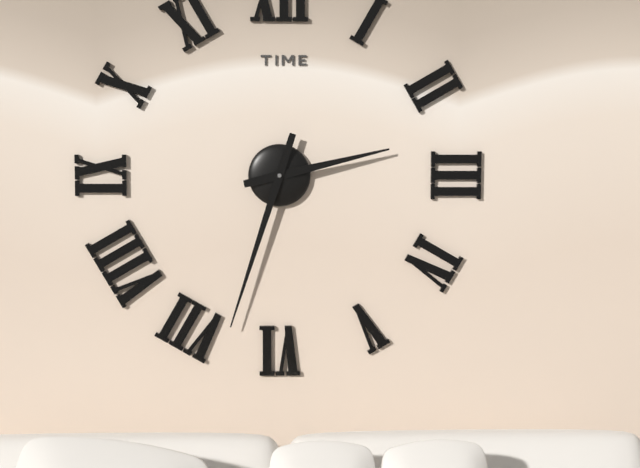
2:33
